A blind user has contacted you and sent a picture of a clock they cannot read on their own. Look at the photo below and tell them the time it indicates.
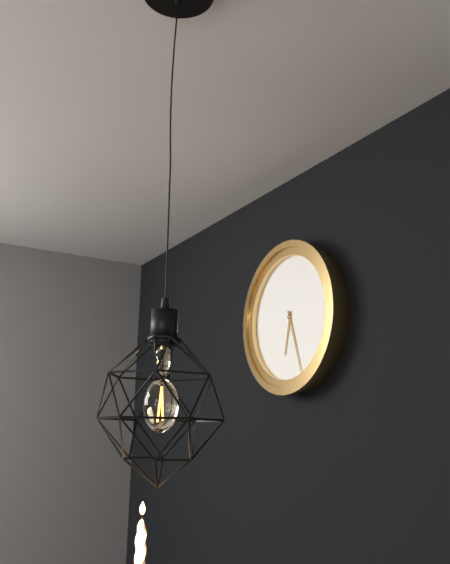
6:27
